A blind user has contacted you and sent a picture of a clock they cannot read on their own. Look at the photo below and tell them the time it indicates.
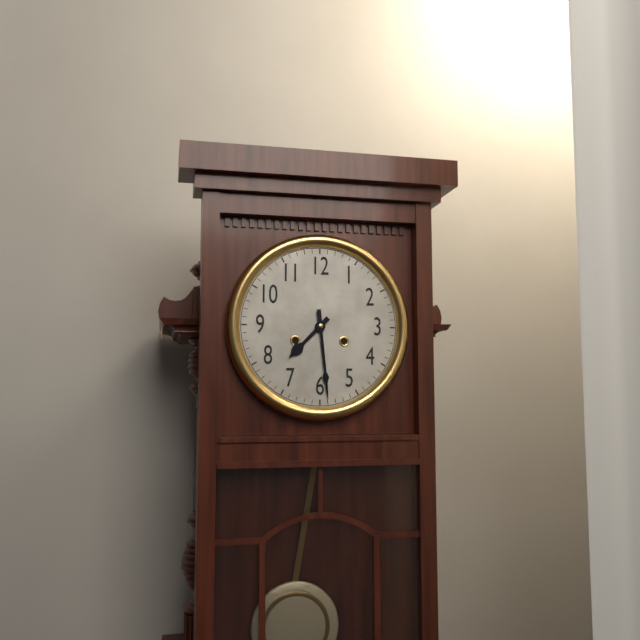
7:29
